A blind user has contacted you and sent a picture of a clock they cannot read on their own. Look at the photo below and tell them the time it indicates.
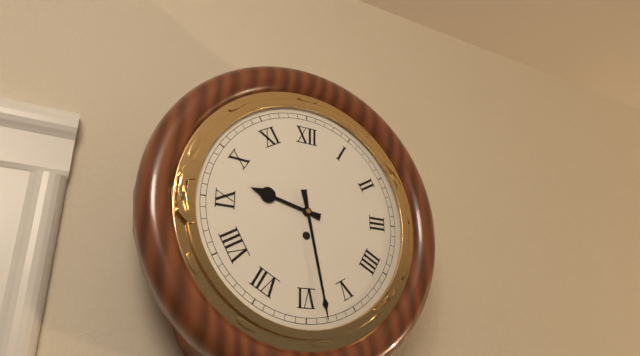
9:28
